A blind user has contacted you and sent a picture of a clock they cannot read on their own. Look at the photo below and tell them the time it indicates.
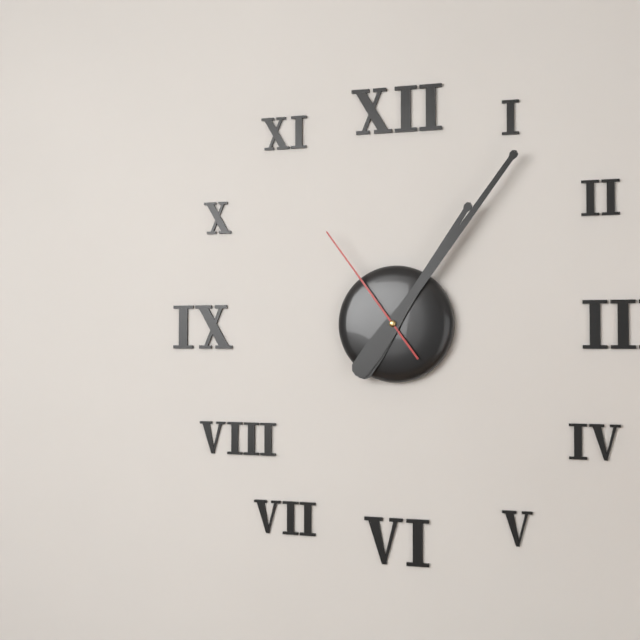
1:06:54
